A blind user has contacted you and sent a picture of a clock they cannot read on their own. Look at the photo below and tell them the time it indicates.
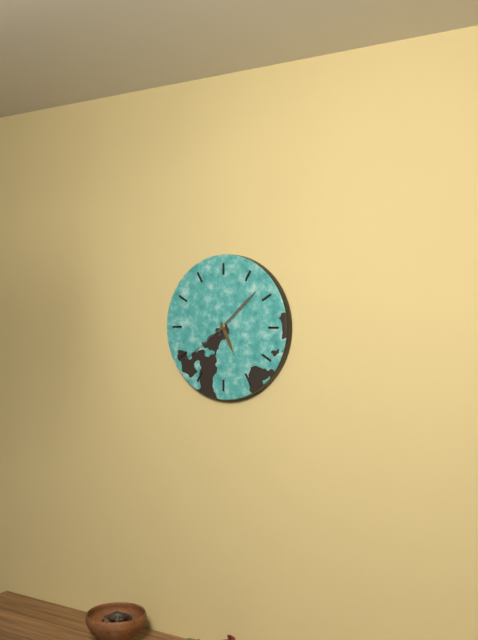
5:08:39
